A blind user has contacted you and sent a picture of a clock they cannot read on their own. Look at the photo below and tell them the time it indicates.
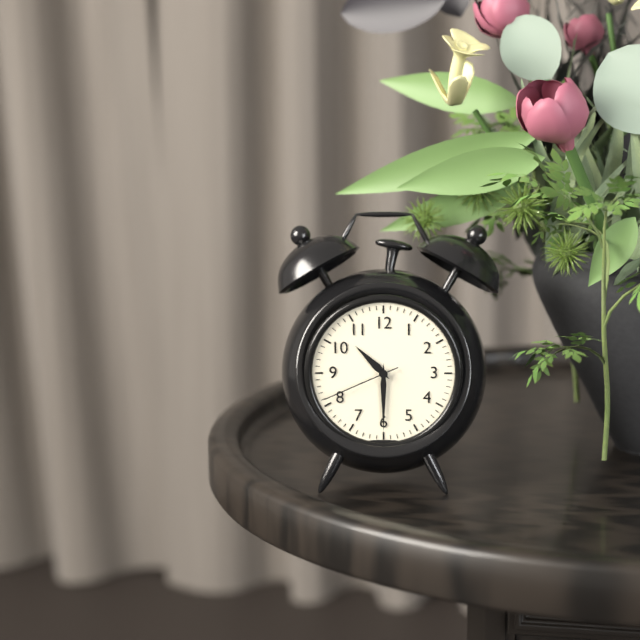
10:30:41
